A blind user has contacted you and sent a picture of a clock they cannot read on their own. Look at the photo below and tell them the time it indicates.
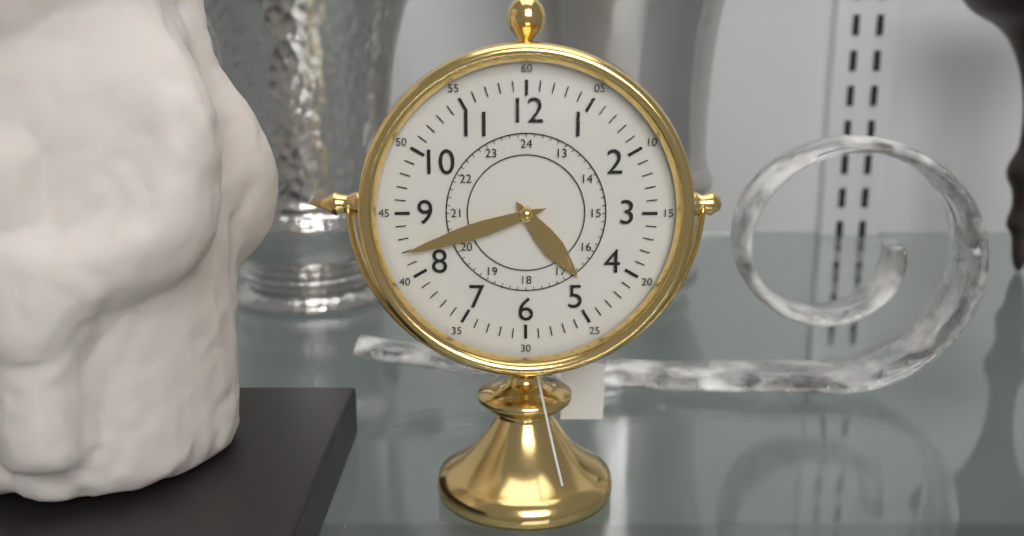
4:42
